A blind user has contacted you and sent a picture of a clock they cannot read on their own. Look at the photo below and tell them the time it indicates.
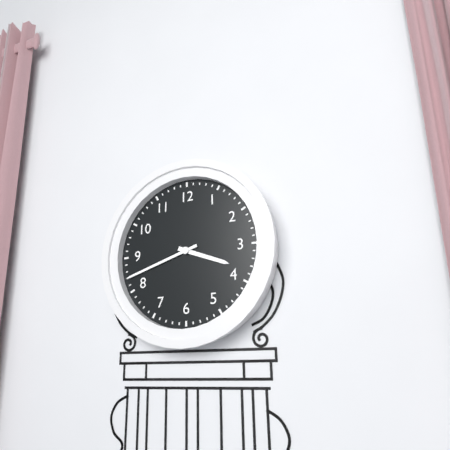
3:42
